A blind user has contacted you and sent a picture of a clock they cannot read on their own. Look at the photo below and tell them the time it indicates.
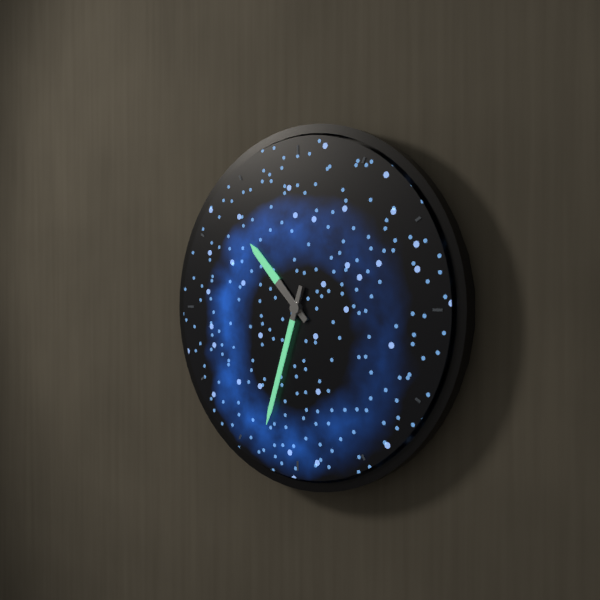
10:33
